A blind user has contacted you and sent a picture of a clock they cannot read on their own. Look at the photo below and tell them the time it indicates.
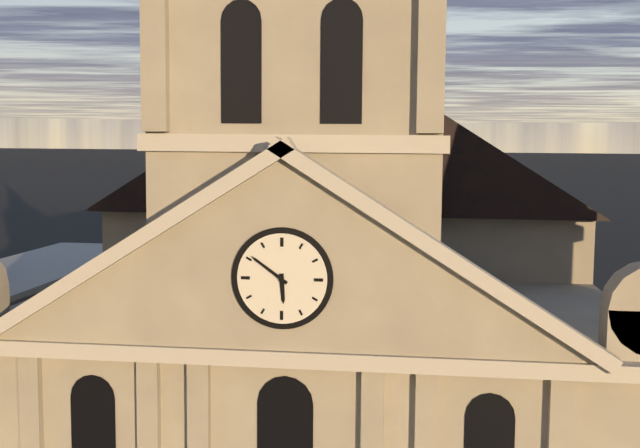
5:51
